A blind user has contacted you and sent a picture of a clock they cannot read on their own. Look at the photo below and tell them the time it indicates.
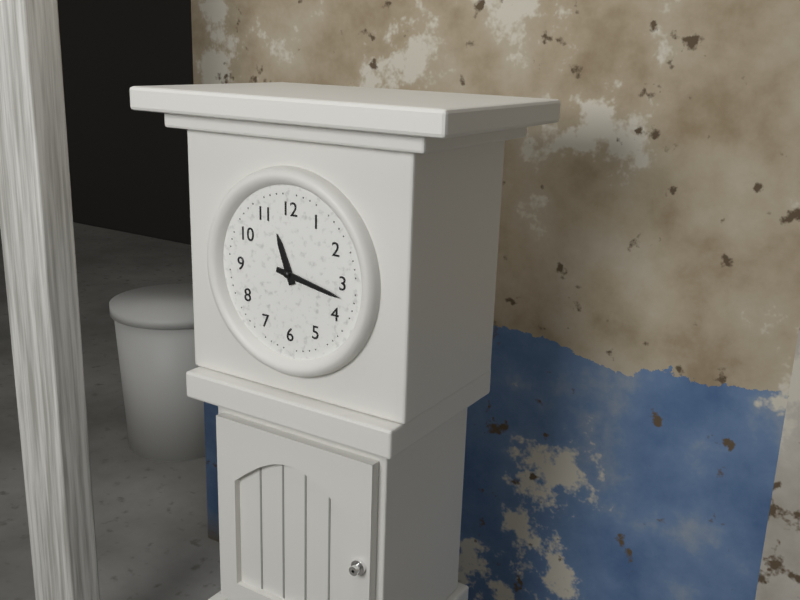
11:17
